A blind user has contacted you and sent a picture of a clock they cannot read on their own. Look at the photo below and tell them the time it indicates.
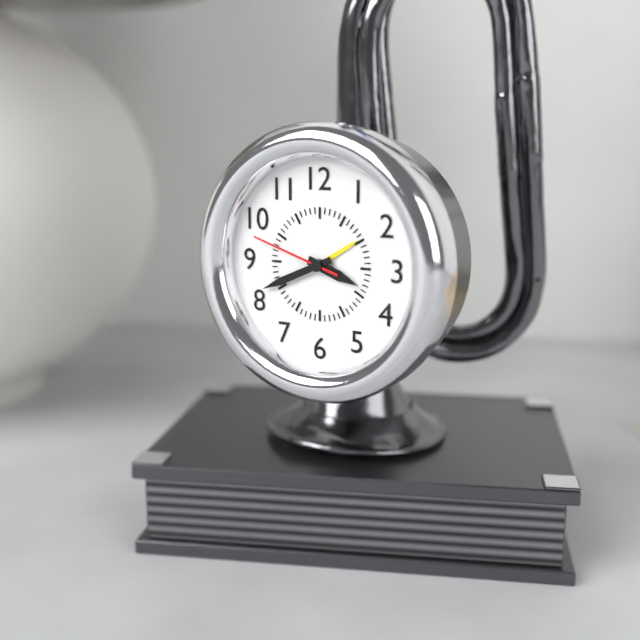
3:41:48
